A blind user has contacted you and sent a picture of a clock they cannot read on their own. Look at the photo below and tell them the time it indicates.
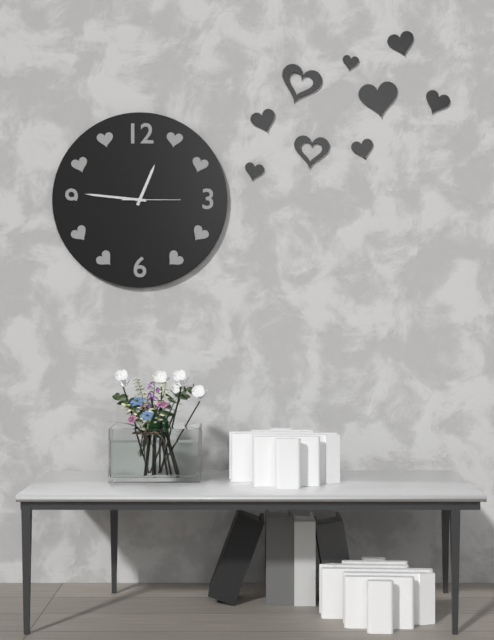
12:46:15
